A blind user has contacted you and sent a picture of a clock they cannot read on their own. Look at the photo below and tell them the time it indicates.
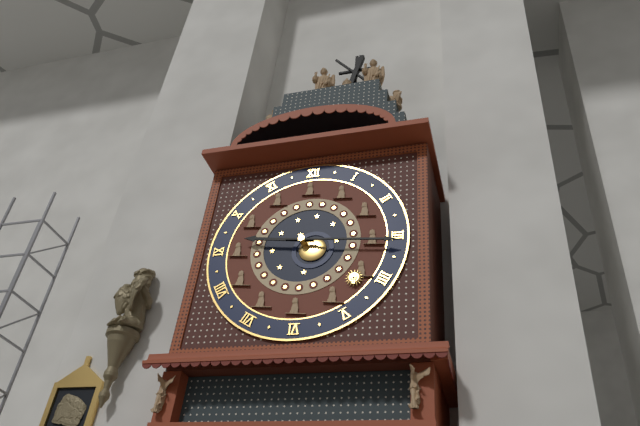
9:16
